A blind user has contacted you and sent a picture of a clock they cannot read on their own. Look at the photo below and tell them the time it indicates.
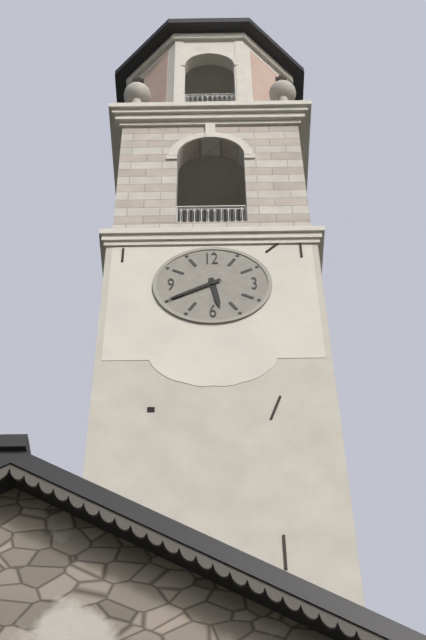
5:40
